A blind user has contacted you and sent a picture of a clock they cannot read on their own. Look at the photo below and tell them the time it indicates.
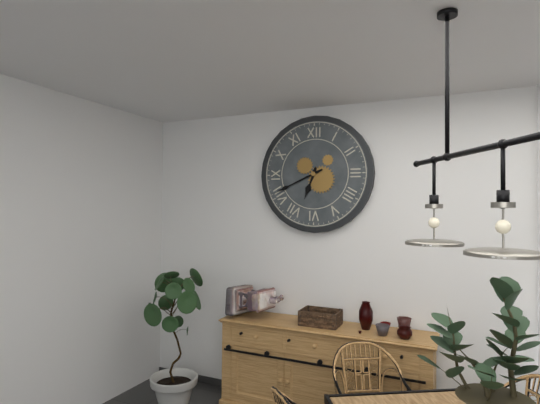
6:41
